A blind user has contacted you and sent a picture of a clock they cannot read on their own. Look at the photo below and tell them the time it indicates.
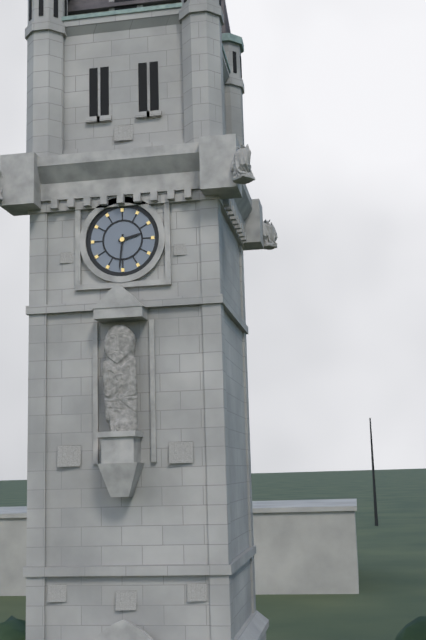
2:31
